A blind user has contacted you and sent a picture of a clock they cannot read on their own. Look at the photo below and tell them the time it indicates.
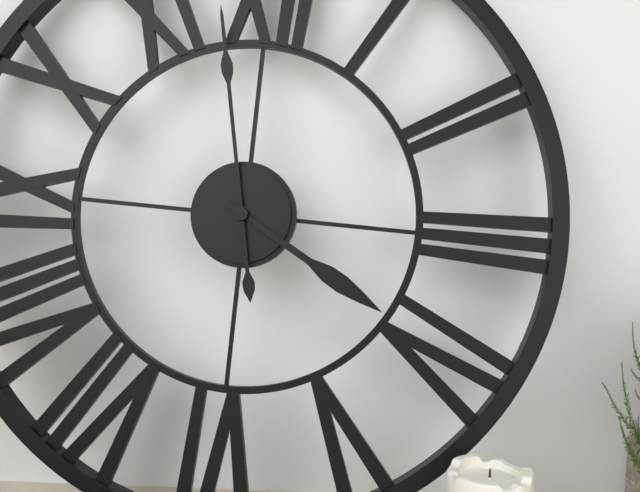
3:58
